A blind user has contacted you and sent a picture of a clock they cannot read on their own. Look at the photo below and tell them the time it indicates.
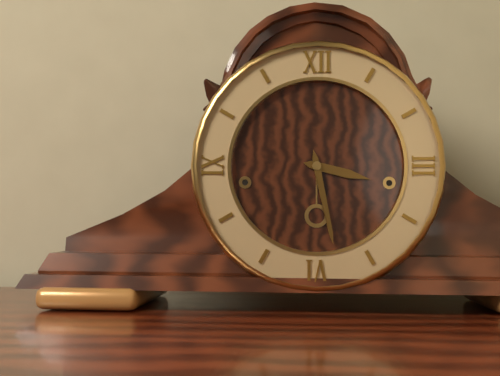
3:28
